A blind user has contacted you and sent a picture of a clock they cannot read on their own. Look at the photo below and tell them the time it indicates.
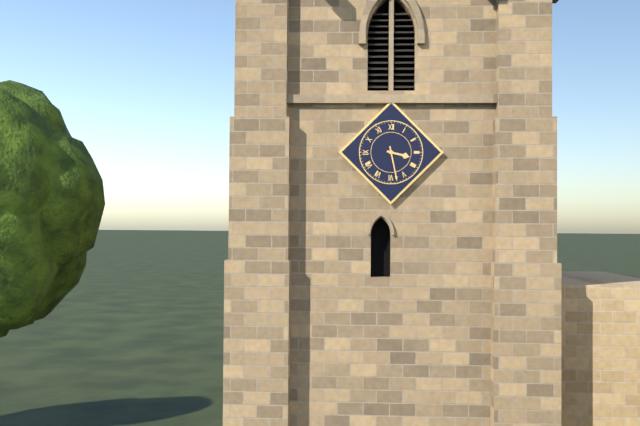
3:28
